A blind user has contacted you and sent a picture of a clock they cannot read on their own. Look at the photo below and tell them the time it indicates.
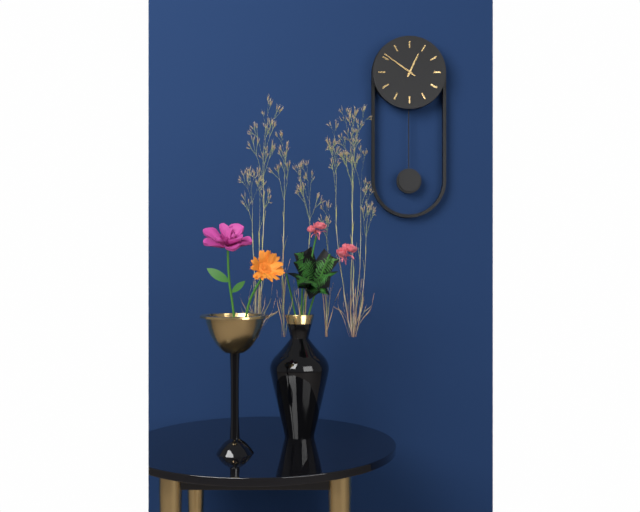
12:51
